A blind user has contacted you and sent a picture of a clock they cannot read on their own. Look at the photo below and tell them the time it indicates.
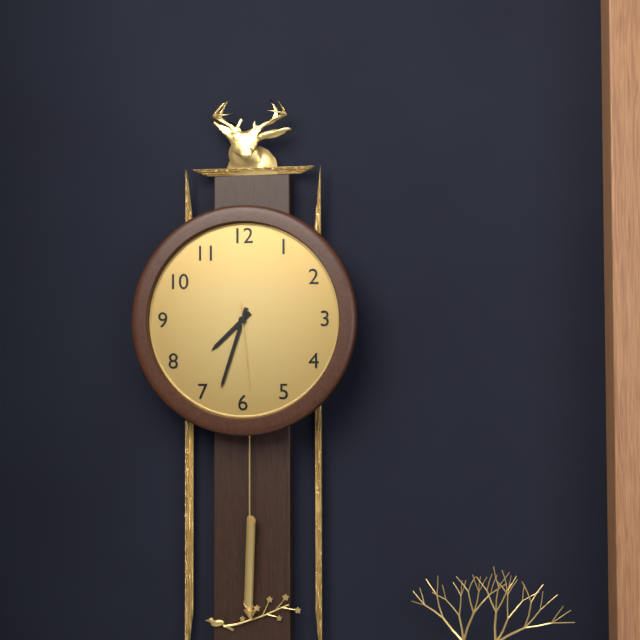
7:33:29
